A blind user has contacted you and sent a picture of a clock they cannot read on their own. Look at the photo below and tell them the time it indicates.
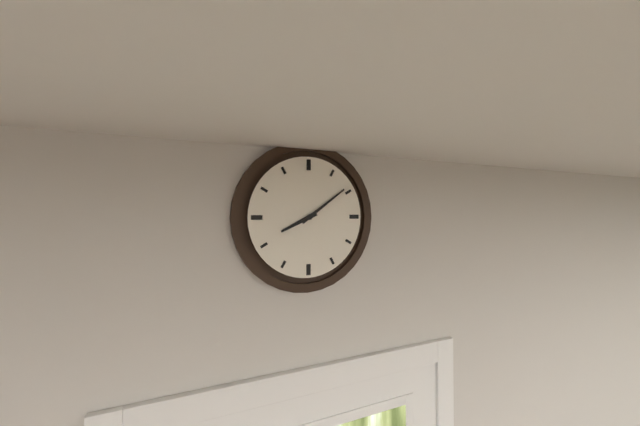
8:09
